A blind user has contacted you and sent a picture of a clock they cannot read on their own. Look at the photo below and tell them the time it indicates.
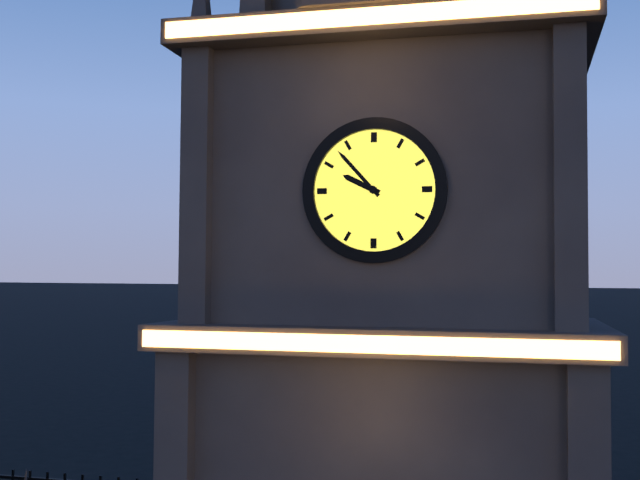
9:53
